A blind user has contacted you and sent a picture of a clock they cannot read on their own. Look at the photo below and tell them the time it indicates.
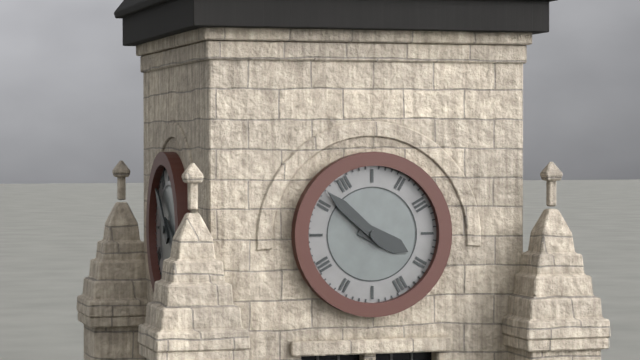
3:52
